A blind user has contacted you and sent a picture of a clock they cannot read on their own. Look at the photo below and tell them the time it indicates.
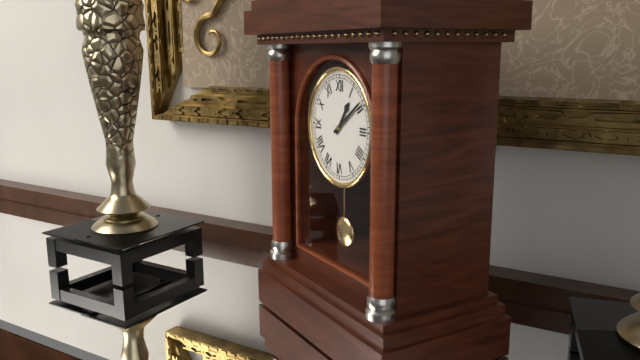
1:09
